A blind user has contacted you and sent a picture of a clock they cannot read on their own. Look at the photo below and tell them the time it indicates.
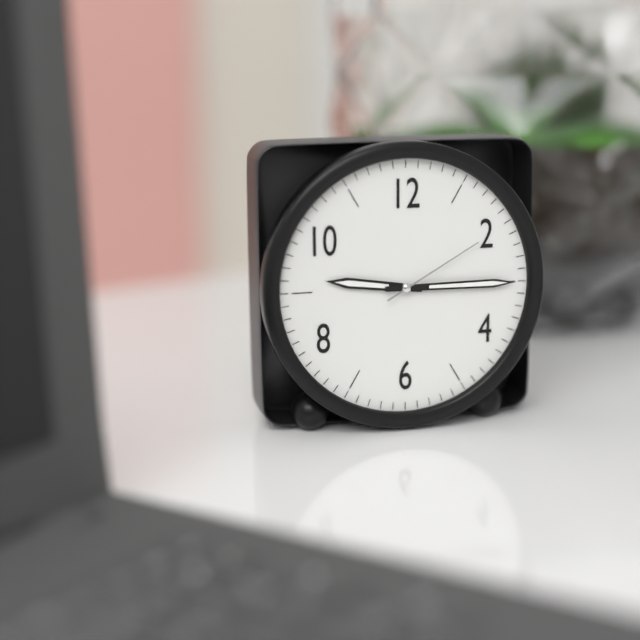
9:15:10
